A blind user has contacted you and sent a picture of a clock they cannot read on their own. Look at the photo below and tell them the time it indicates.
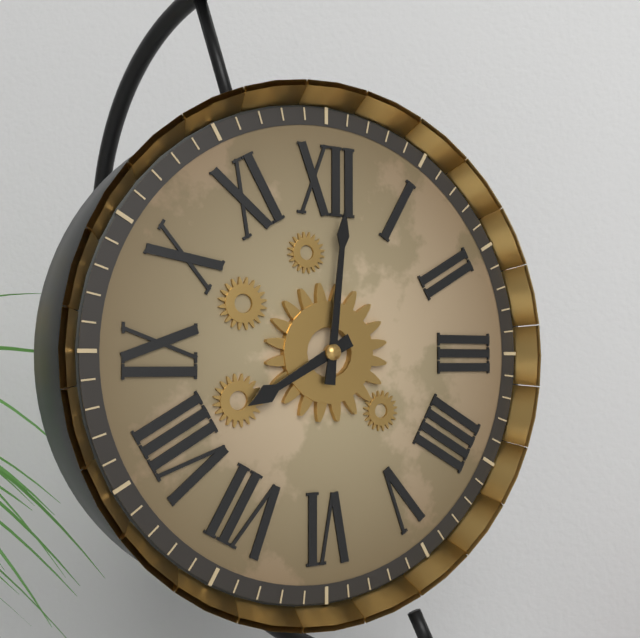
8:01
